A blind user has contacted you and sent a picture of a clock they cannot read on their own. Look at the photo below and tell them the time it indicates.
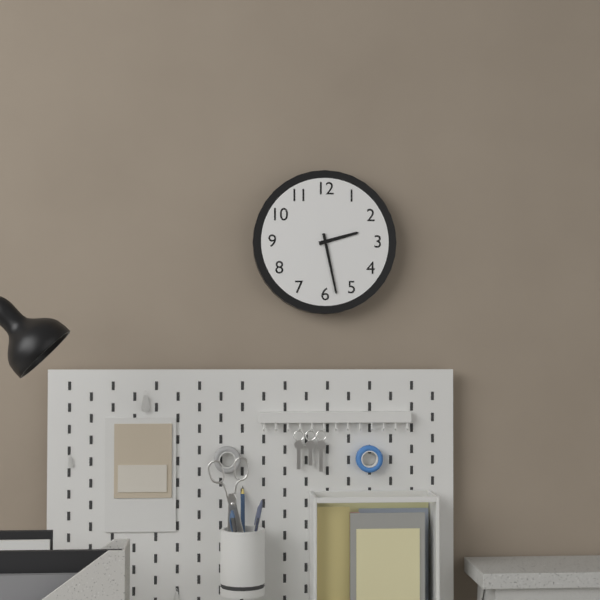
2:28
